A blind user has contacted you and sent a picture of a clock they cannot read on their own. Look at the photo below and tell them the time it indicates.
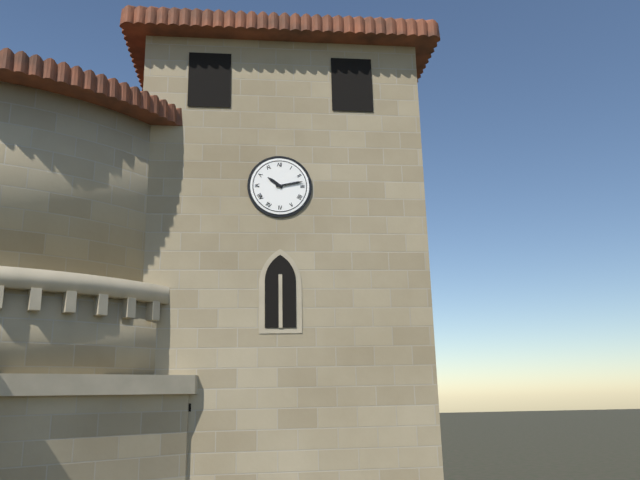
10:13
